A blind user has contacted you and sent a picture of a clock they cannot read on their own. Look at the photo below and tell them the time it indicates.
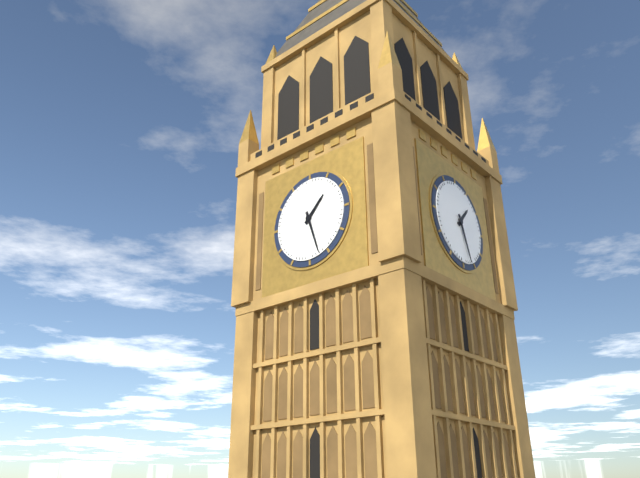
1:27
